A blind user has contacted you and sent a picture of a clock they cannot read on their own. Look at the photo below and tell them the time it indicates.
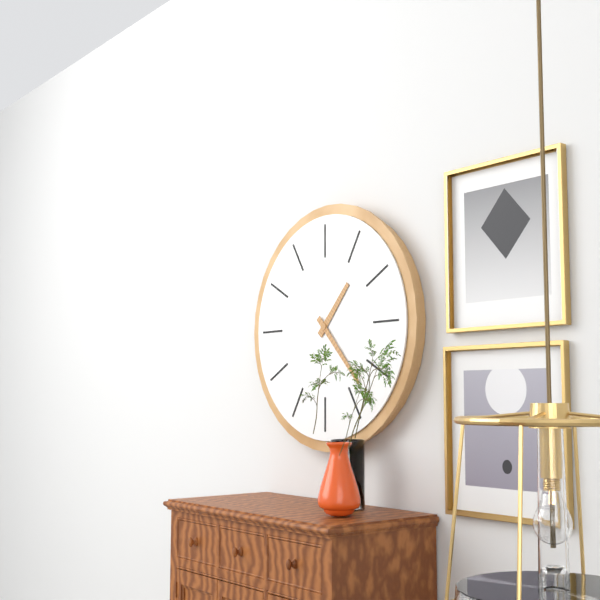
1:23
